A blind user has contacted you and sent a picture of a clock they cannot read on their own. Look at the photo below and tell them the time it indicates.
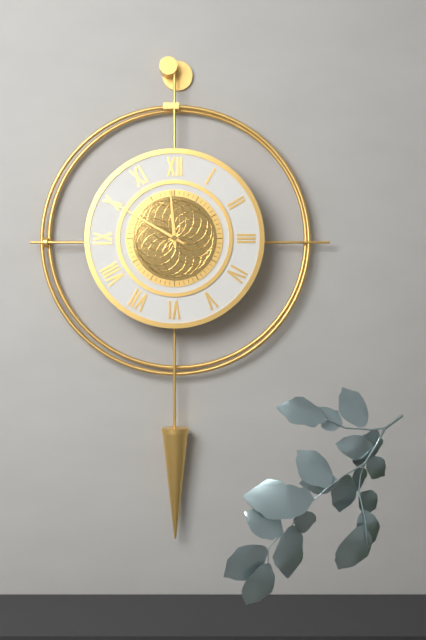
11:50
